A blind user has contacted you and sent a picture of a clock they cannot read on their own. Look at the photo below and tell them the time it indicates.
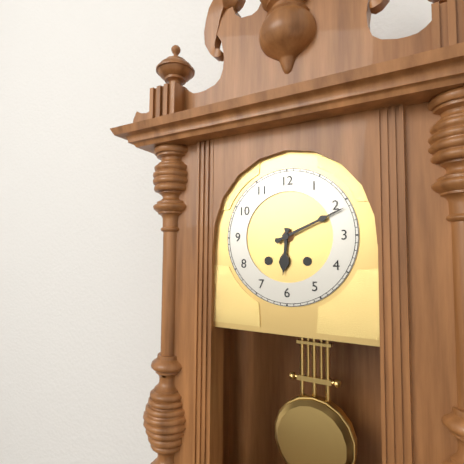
6:11
